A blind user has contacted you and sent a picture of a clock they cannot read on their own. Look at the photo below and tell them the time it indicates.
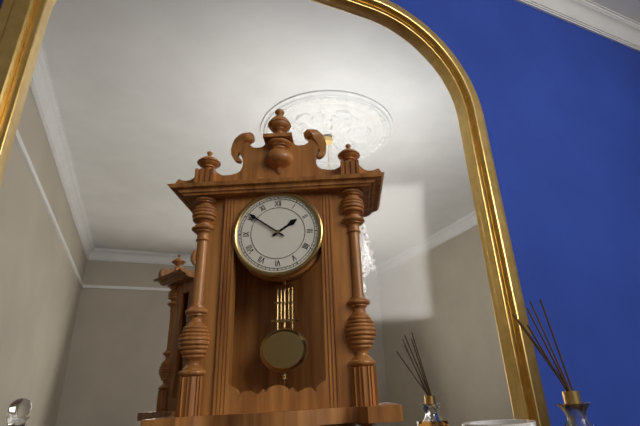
1:51
